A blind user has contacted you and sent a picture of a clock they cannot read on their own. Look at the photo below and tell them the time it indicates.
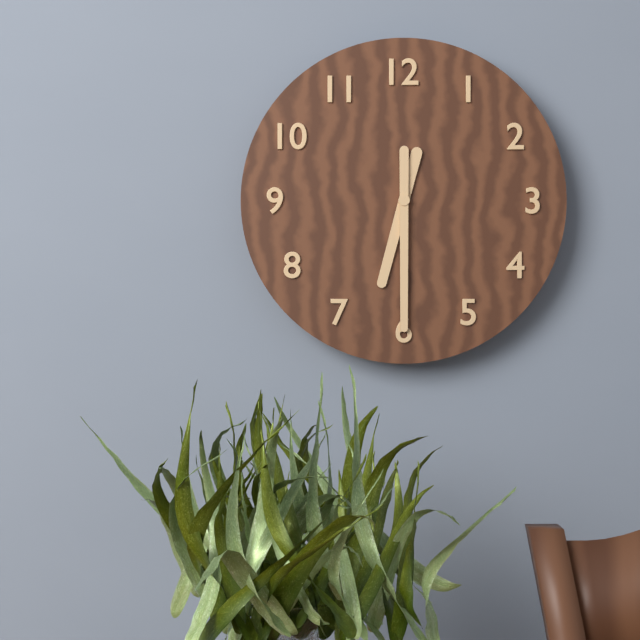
6:30
